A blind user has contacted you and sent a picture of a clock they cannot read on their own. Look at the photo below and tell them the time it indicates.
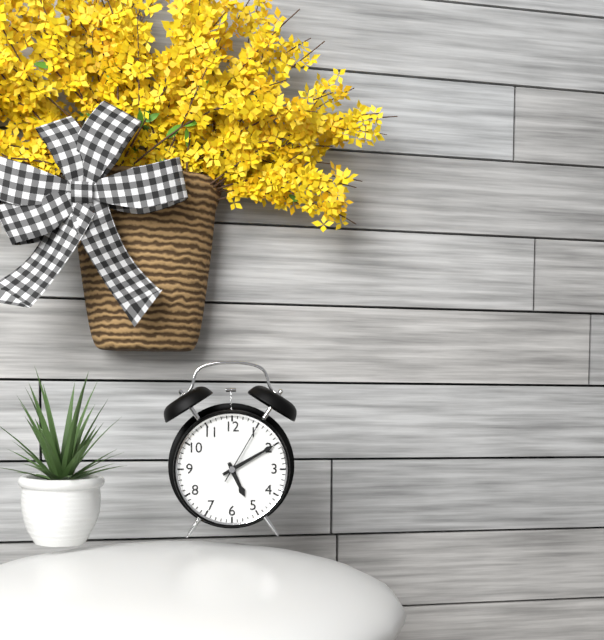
5:10:05
